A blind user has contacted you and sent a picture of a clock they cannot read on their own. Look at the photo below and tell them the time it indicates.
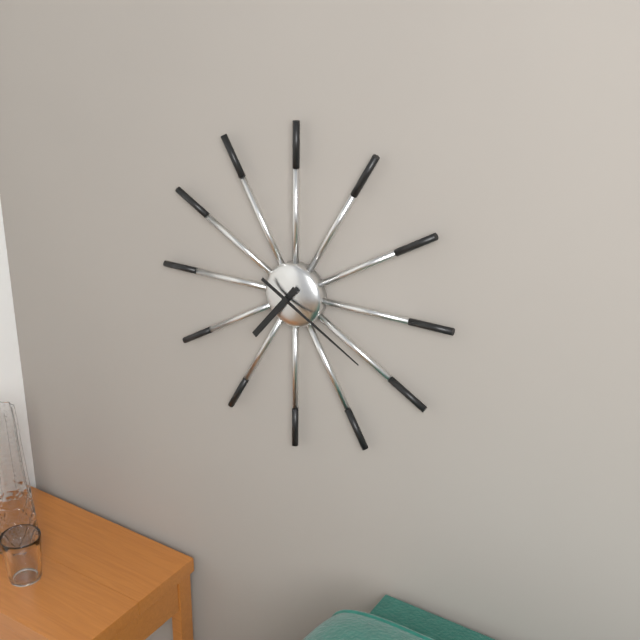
7:20
